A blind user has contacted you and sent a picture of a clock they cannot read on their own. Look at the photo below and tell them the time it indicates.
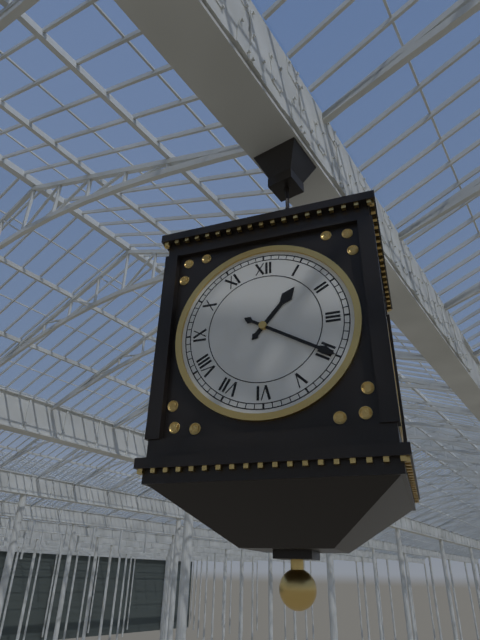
1:20
